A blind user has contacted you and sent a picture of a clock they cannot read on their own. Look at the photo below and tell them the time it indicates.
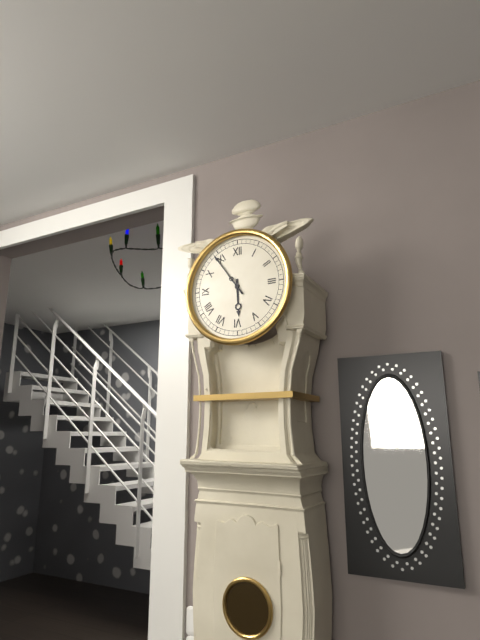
5:54
